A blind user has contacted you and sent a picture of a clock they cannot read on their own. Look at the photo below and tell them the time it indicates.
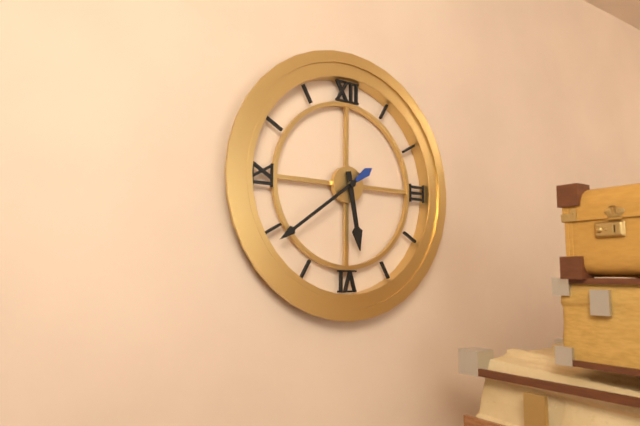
5:39
